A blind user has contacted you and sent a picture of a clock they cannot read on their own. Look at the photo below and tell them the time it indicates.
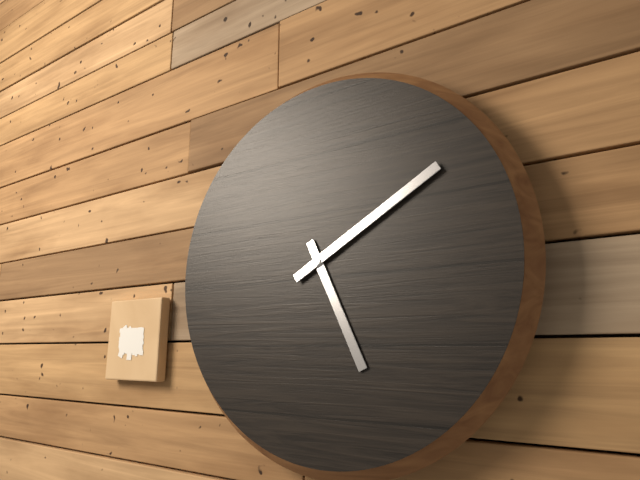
5:10
